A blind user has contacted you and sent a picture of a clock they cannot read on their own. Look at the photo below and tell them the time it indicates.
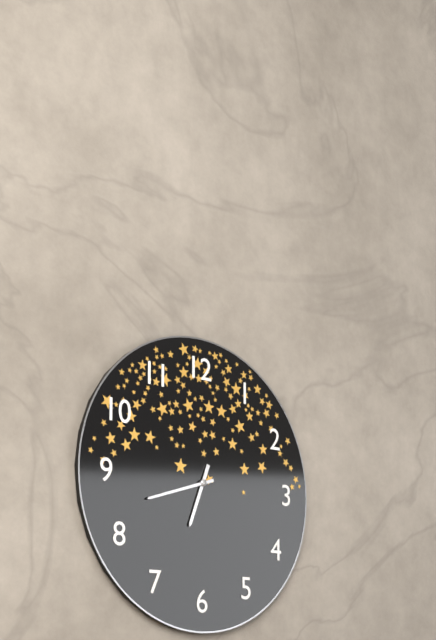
6:42
